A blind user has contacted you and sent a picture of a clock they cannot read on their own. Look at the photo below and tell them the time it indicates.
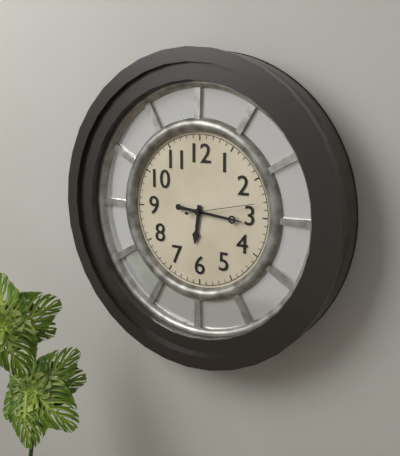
6:16:13
